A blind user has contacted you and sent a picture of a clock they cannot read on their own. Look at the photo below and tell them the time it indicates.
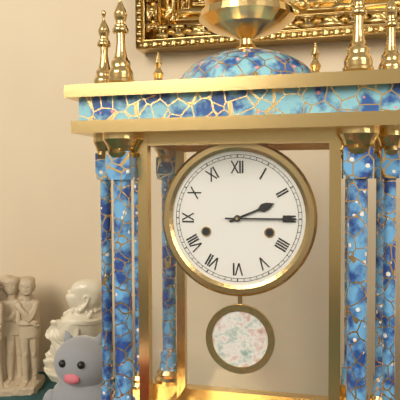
2:15
